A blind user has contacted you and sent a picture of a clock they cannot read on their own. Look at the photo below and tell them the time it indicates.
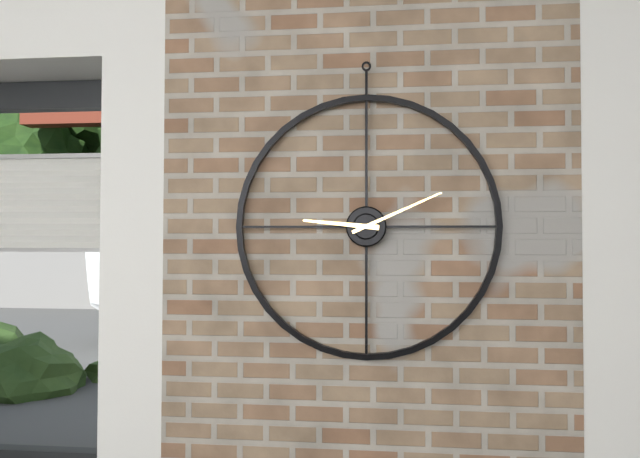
9:11
